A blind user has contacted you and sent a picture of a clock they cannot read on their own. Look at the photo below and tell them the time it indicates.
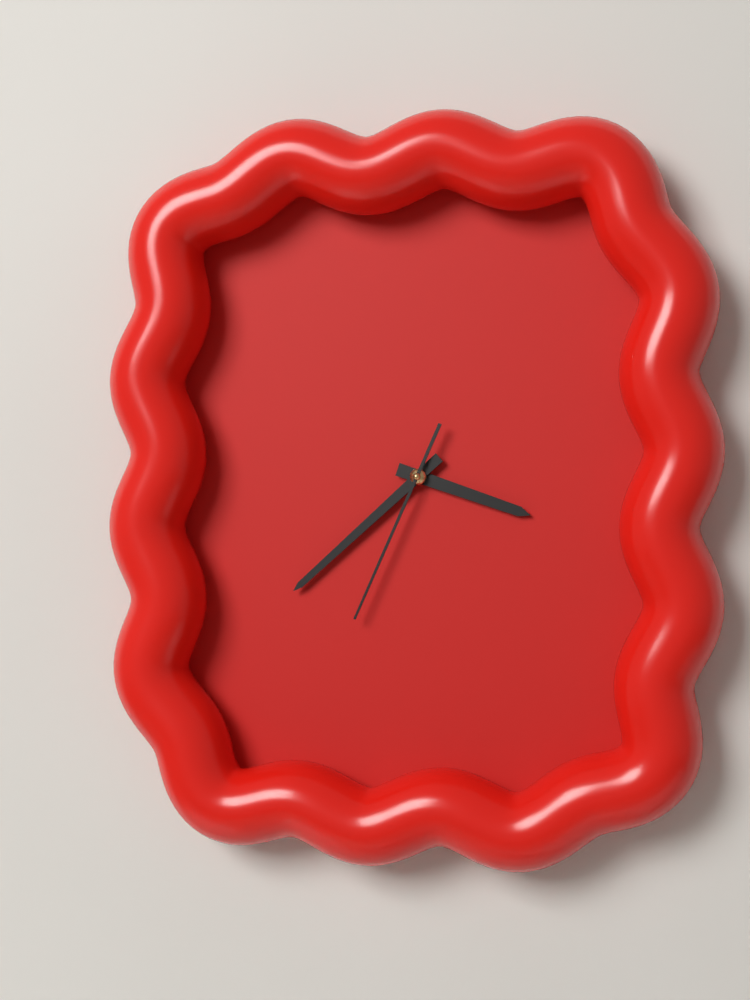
3:38:34
